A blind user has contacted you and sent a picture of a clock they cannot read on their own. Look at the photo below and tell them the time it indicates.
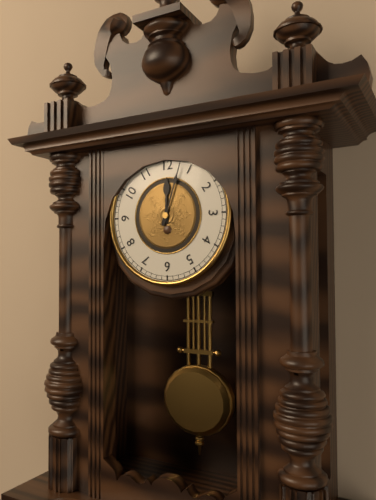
12:03
